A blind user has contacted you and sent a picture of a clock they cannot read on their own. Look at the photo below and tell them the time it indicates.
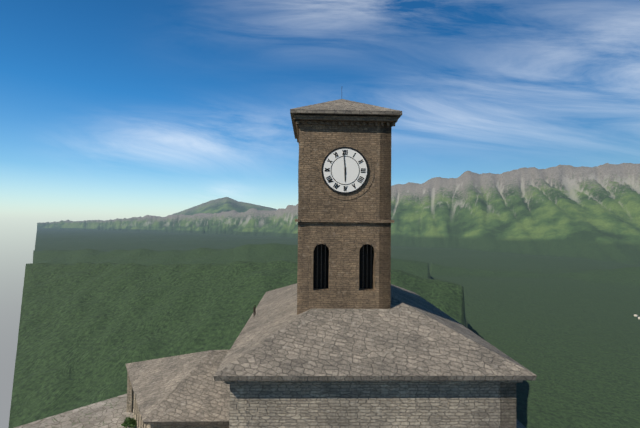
5:59
